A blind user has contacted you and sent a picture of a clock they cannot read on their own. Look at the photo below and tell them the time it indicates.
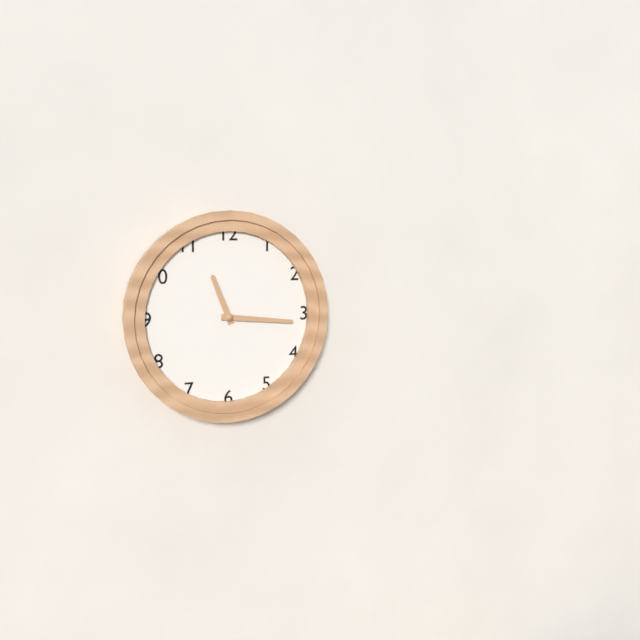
11:16
